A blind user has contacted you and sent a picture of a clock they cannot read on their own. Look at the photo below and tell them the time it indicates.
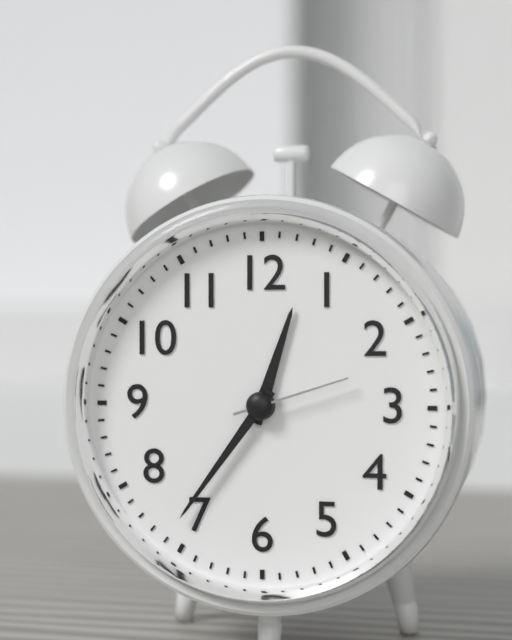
12:36:12
